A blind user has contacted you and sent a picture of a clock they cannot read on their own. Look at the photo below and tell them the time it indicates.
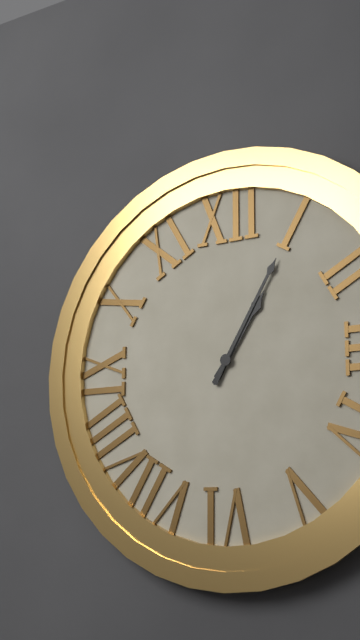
1:05
